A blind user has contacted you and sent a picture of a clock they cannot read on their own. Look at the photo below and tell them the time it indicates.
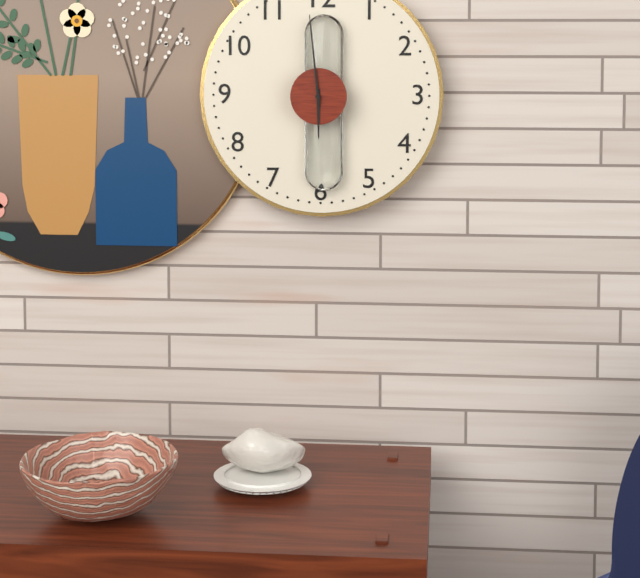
5:59
